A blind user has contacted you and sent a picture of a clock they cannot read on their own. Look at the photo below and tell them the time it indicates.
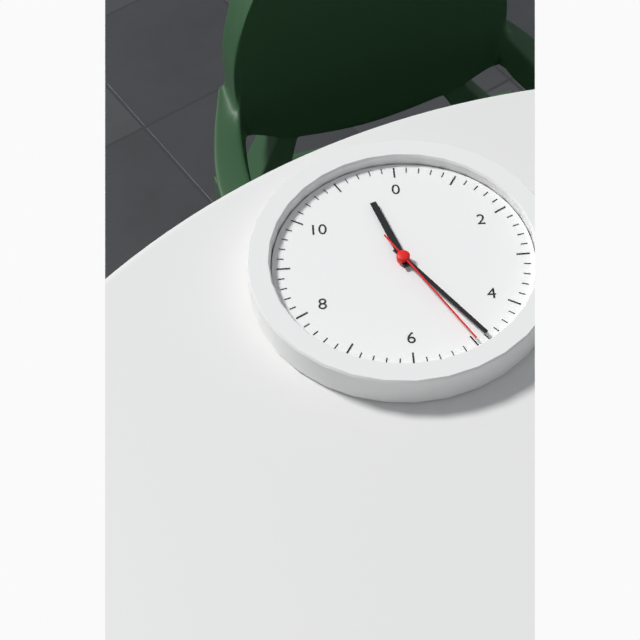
11:24:25
